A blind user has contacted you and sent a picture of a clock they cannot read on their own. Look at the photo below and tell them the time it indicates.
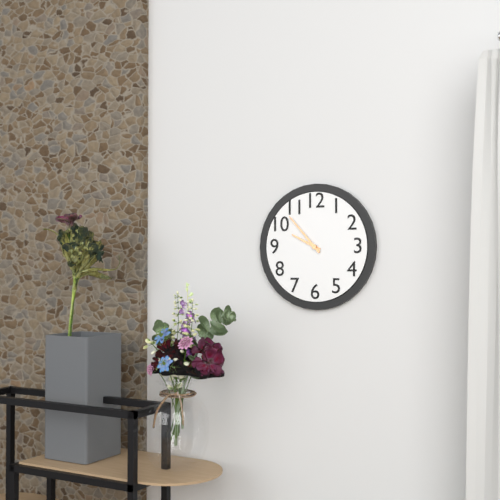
9:53
